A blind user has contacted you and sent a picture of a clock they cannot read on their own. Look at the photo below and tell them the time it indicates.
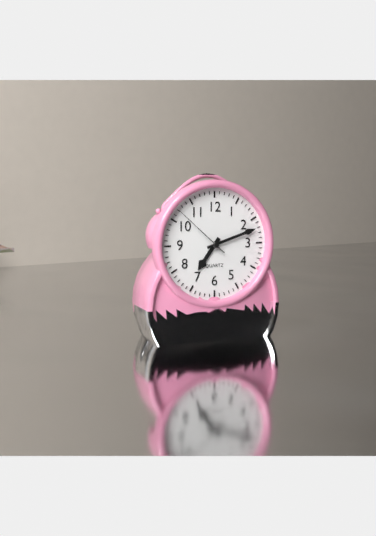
7:12:52
